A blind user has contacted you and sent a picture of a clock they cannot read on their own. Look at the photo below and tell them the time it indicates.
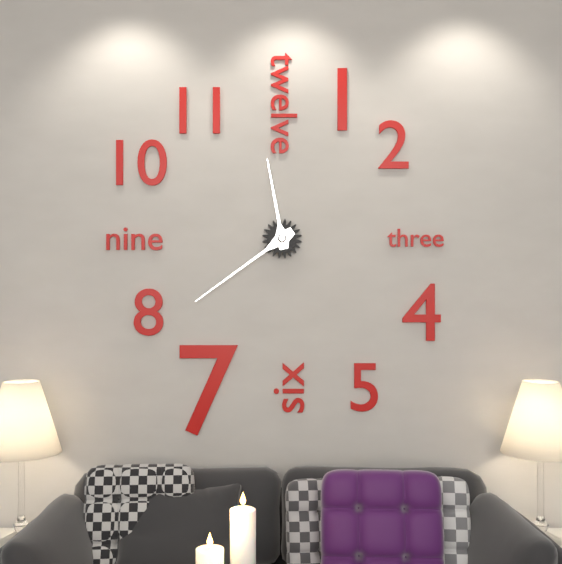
11:39
